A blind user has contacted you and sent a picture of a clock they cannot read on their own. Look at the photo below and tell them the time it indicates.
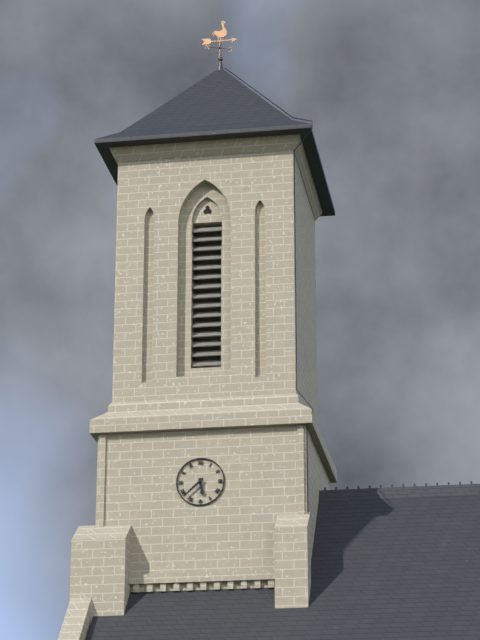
5:38
